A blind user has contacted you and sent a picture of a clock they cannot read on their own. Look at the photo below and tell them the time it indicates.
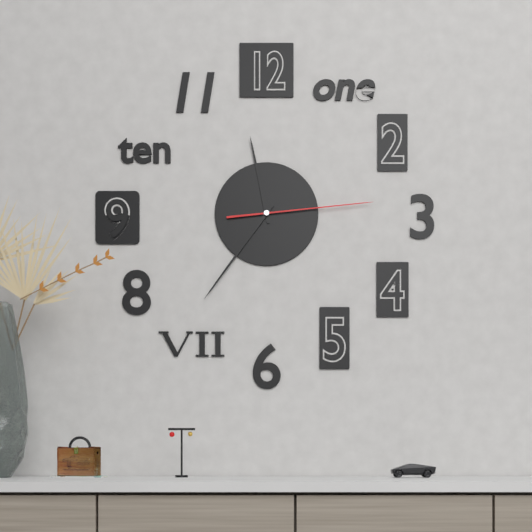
11:36:14
